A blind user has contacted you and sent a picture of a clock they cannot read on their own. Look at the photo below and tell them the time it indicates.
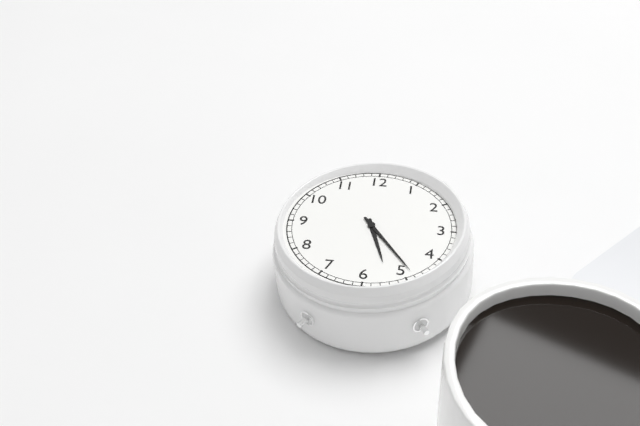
5:24
